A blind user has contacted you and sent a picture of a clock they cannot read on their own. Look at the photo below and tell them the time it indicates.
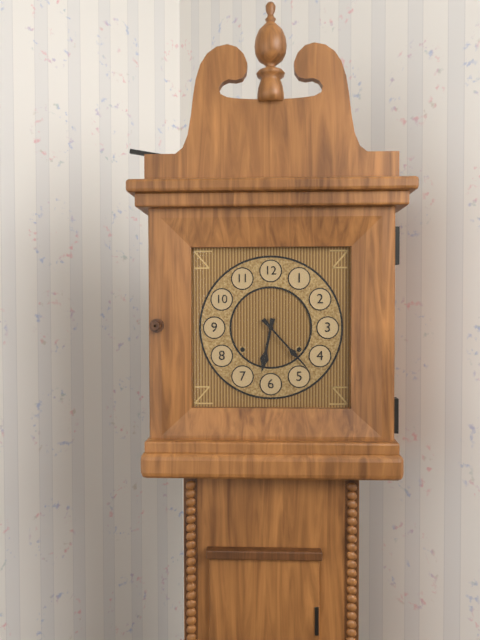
6:23
